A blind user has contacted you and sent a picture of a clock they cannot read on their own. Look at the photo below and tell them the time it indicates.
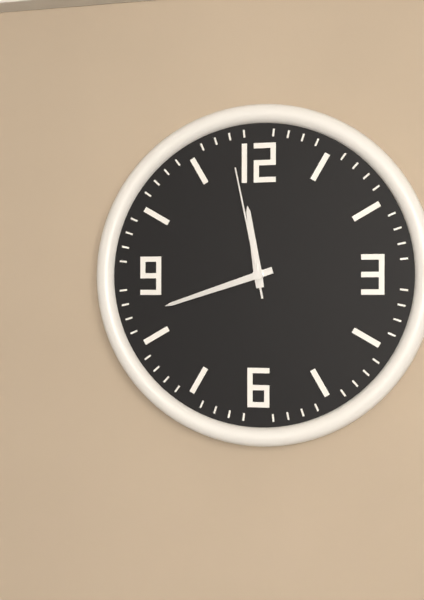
11:42:58
